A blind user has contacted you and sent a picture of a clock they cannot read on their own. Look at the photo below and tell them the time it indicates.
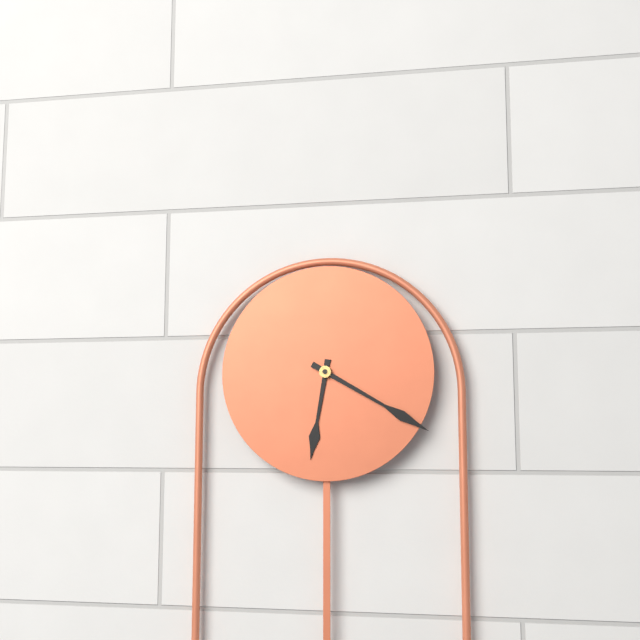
6:20
